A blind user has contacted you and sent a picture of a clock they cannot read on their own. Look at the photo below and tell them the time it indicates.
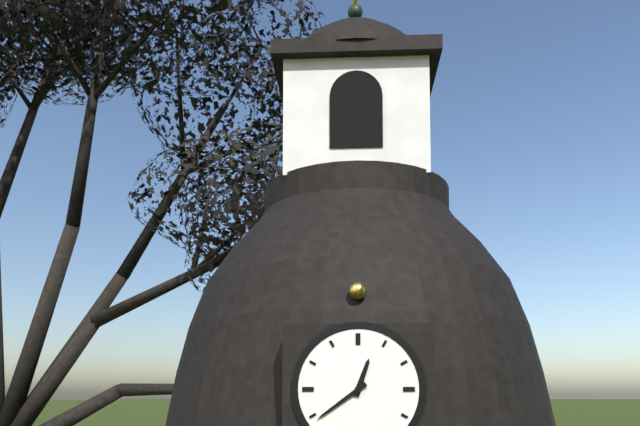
12:39
